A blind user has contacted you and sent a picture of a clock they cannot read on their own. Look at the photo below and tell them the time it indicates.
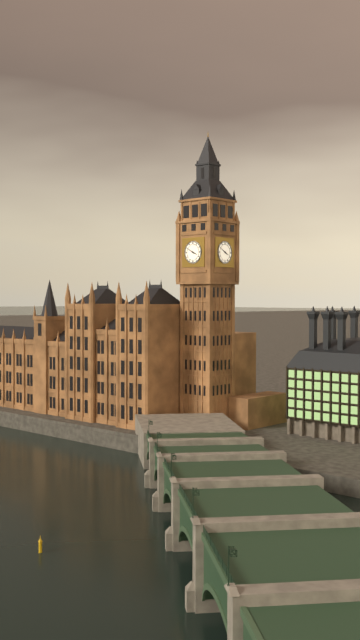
3:50
